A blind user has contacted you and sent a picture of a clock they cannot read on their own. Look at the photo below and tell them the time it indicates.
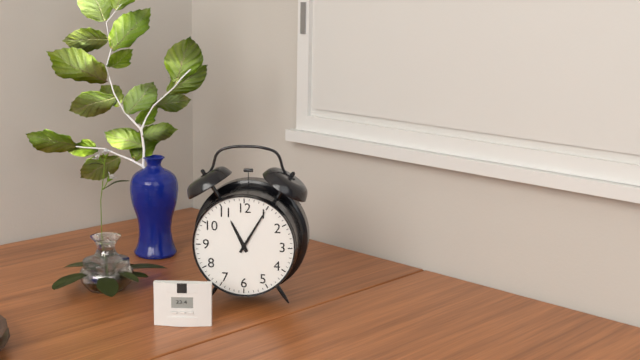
11:05
